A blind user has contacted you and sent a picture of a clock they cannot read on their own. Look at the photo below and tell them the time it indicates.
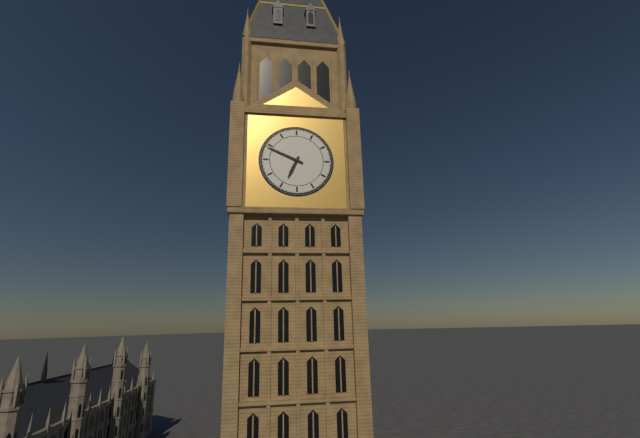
6:49
